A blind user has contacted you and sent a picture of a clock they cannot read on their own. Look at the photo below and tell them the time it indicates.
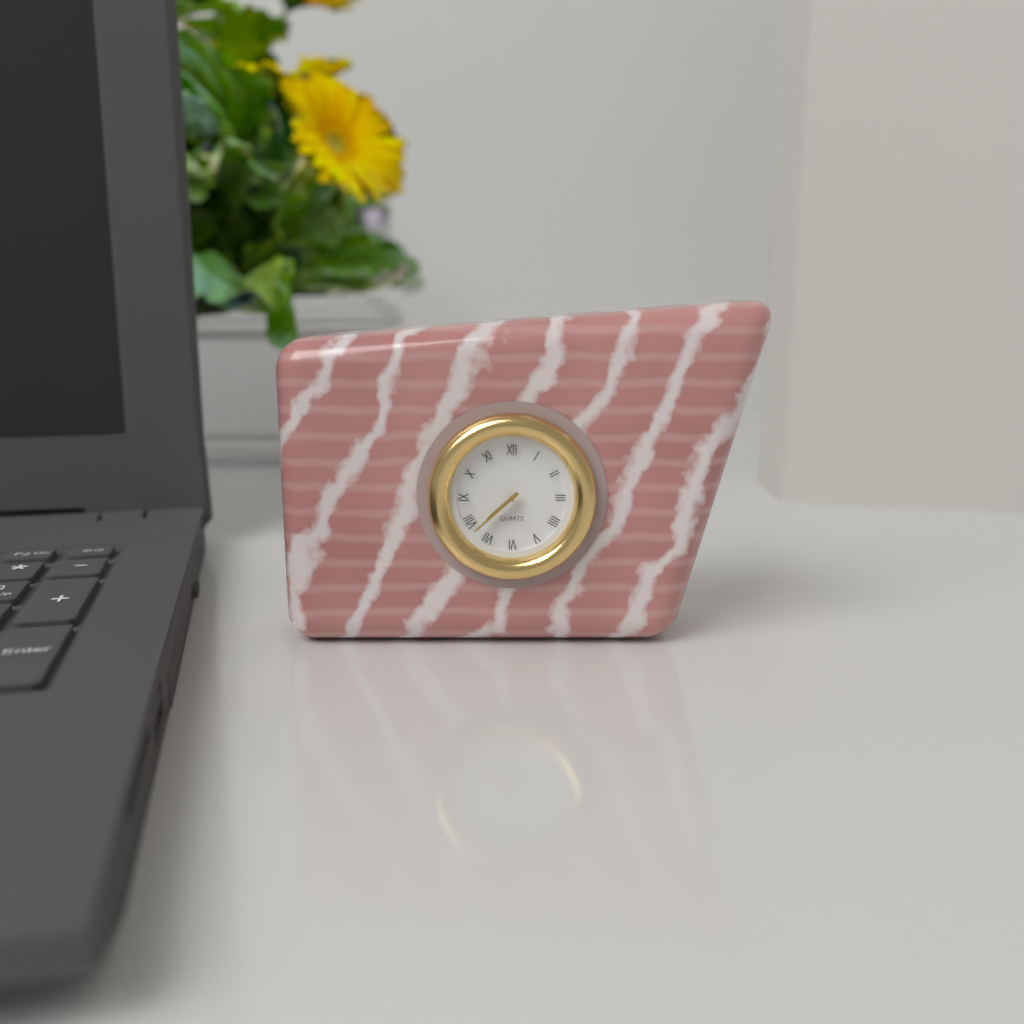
7:38
